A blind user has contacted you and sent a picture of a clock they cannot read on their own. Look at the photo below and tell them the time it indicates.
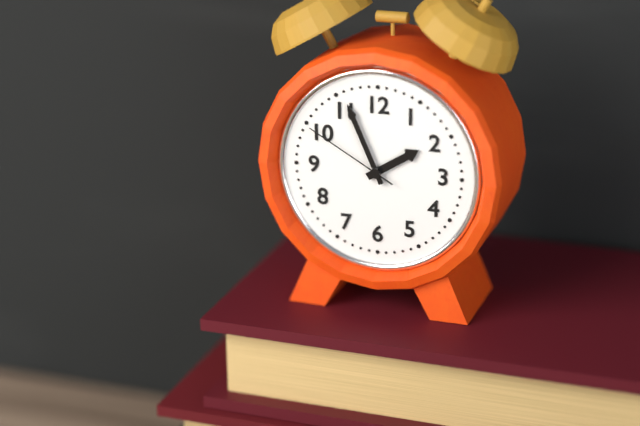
1:56:50
